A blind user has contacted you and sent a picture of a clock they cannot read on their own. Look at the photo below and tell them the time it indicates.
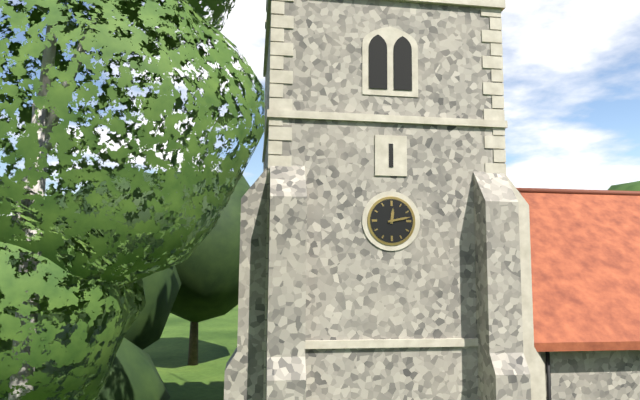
12:13
